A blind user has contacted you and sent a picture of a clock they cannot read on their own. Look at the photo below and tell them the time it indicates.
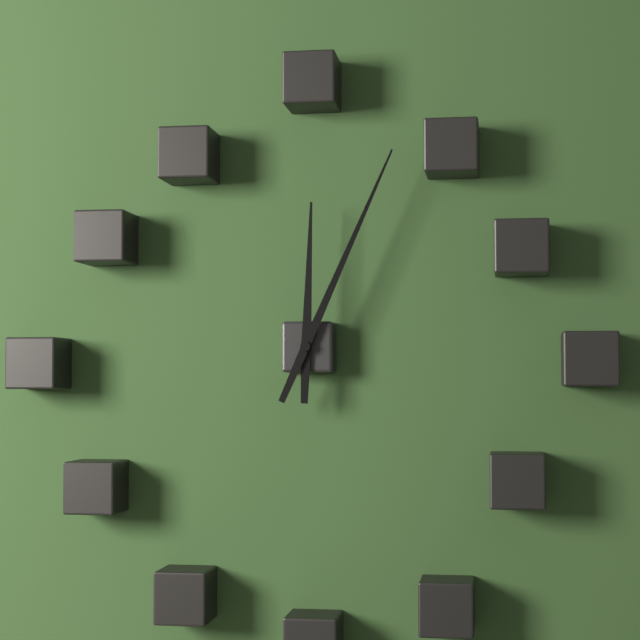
12:04
